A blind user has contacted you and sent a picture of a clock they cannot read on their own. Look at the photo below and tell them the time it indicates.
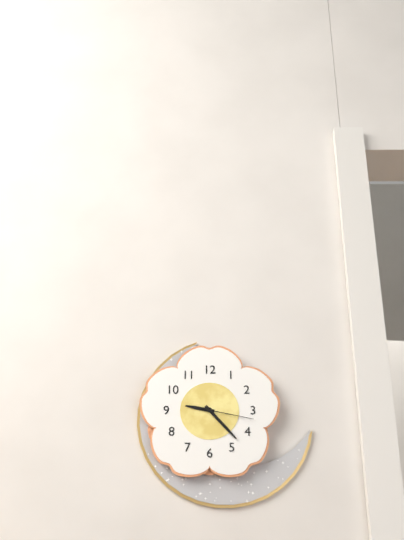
9:23:17
